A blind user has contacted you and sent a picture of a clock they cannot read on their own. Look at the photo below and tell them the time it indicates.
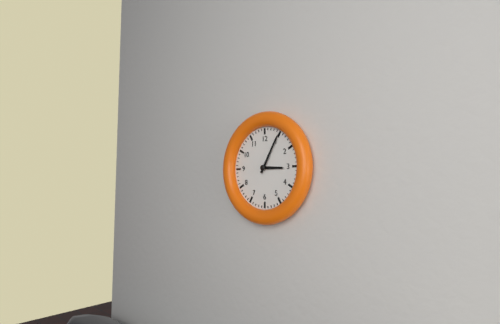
3:05
